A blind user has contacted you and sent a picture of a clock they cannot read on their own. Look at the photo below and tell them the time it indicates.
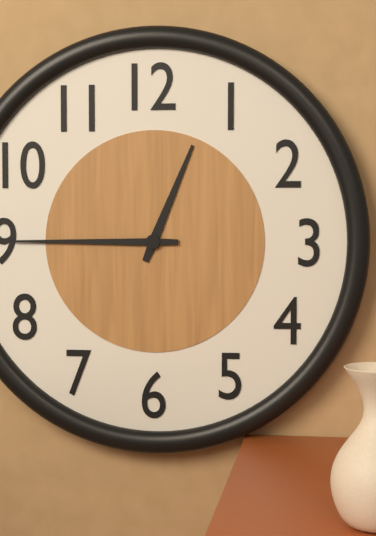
12:45
